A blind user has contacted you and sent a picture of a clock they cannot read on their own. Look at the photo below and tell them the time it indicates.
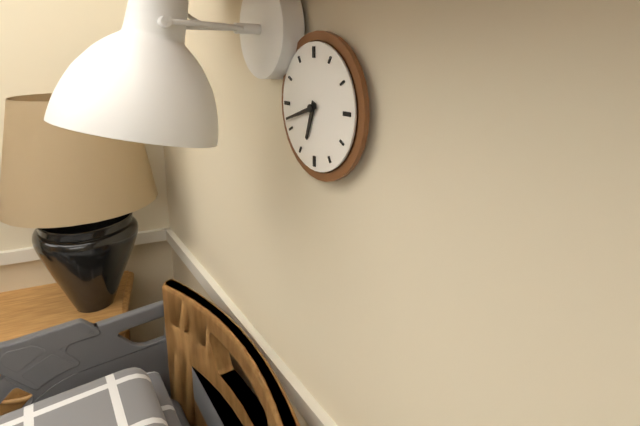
6:42
